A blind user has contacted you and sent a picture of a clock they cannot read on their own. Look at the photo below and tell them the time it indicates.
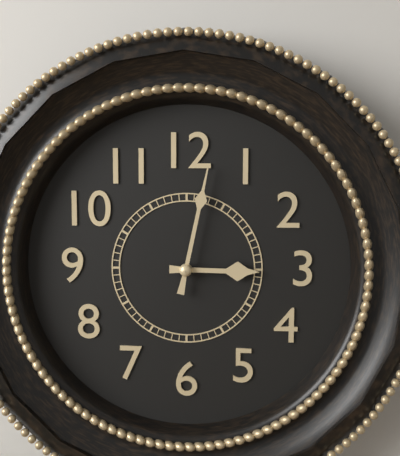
3:02
